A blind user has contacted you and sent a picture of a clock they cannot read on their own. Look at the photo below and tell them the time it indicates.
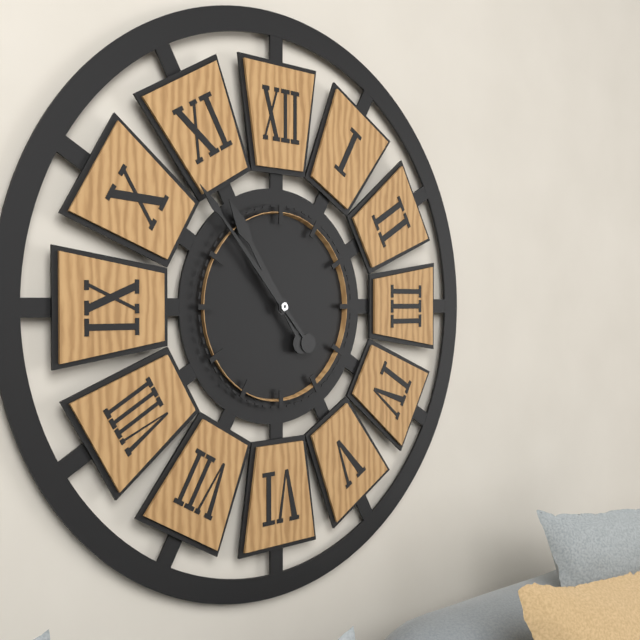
10:53
